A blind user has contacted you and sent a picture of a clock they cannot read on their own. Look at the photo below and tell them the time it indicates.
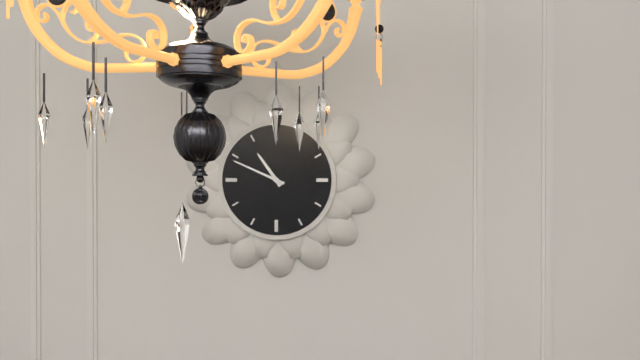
10:49
